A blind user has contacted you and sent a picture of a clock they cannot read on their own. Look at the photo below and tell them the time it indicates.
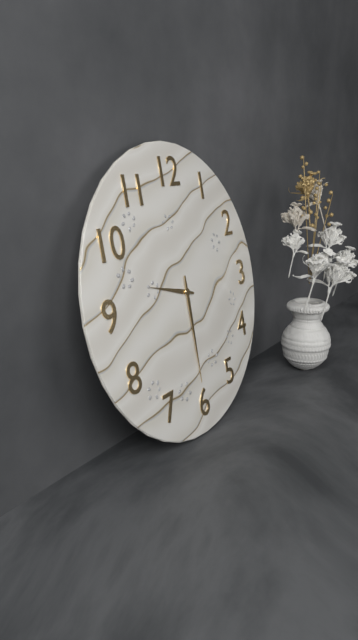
9:30
